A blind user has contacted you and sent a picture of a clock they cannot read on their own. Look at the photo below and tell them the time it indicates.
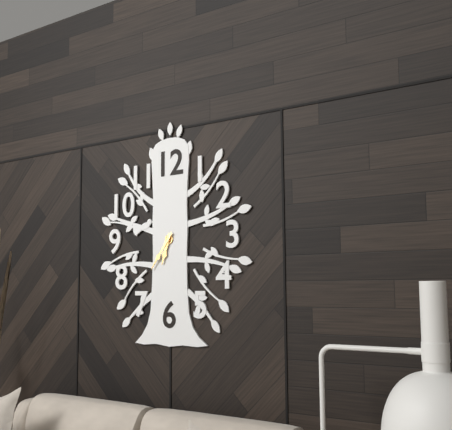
6:36
